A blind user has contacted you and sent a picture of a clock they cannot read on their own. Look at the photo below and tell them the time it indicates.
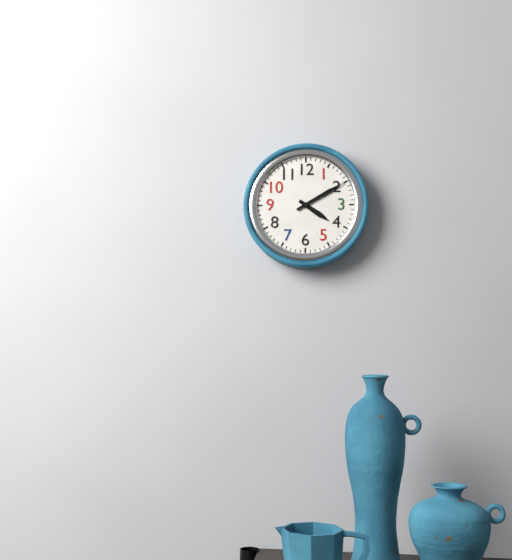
4:10
